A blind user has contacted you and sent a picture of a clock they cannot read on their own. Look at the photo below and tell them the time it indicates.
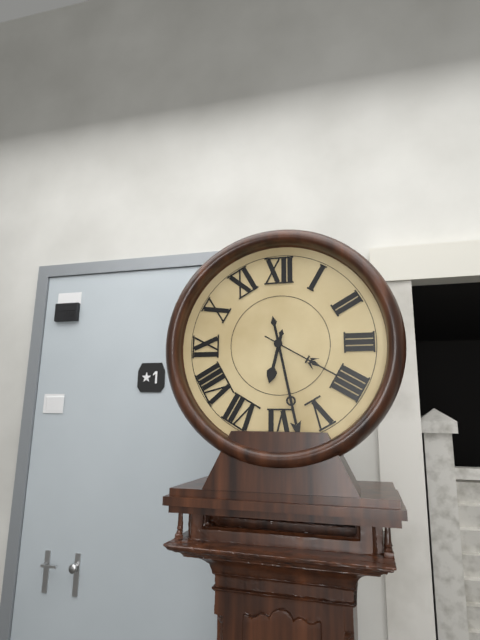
6:28:20
